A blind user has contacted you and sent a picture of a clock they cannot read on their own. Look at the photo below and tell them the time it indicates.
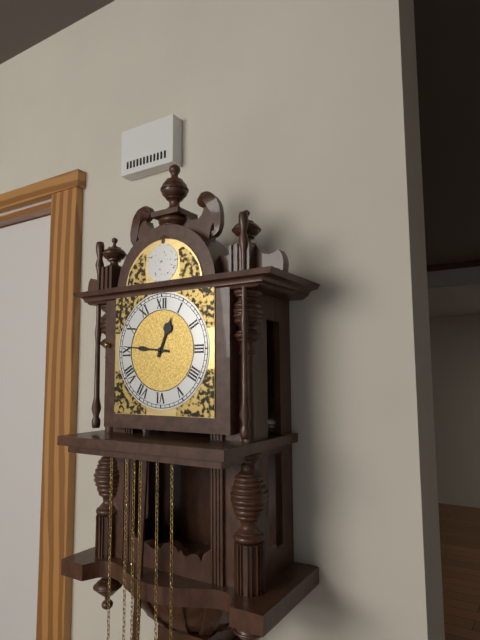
12:46
